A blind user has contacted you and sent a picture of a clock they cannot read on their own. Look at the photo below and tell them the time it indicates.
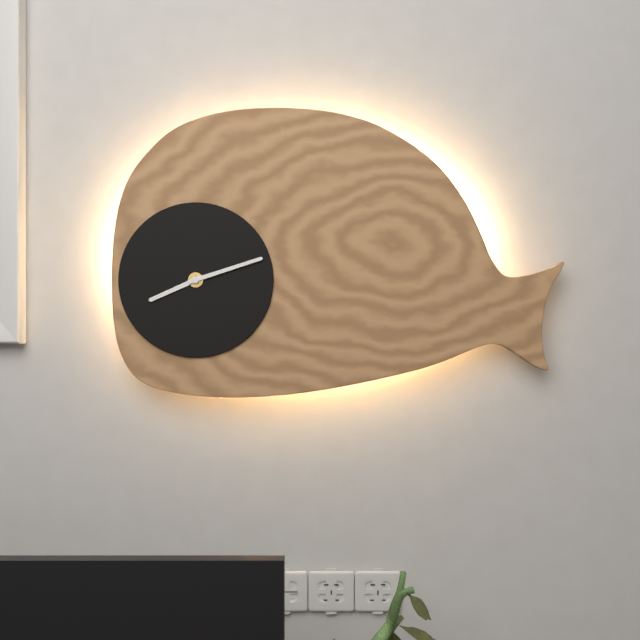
8:12
